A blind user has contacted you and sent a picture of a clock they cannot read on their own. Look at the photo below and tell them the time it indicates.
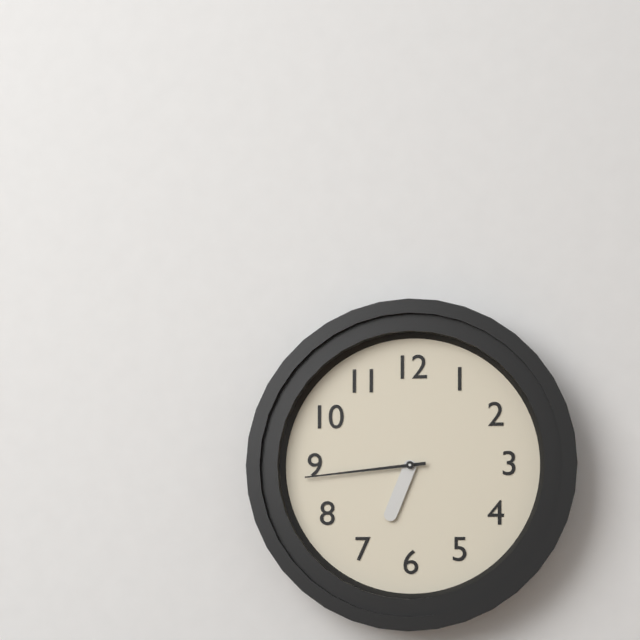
6:44
